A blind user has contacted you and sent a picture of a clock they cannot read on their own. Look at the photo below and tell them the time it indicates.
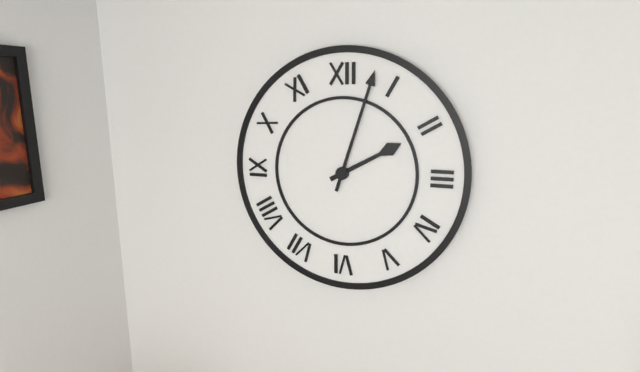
2:03
